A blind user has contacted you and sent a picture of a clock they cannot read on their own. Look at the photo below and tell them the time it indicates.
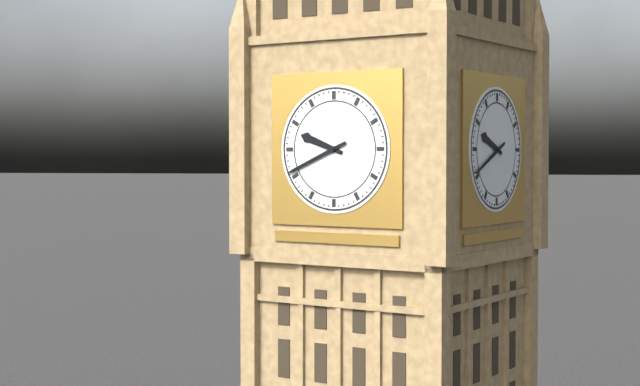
9:41
